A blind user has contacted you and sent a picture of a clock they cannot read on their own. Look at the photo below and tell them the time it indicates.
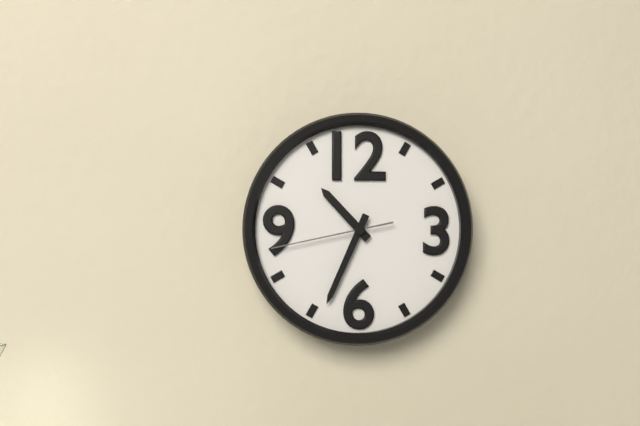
10:34:43
